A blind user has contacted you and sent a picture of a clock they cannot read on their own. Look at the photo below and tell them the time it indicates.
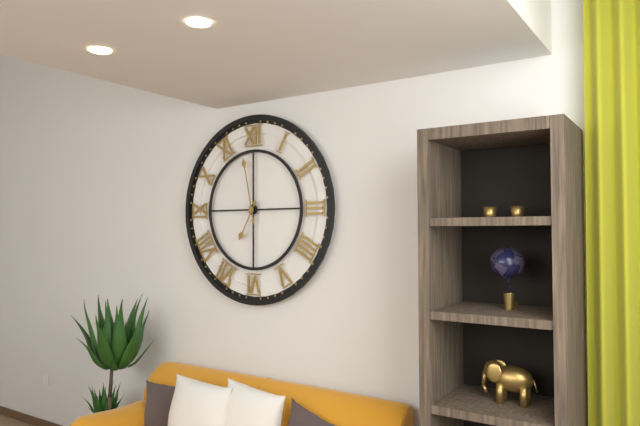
6:58
